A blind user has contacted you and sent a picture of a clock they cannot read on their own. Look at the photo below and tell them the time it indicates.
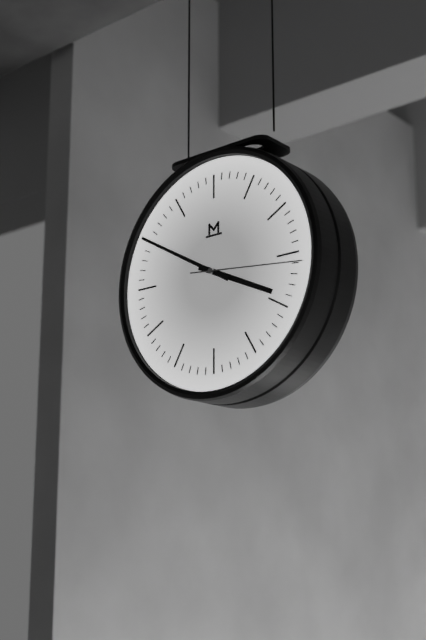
3:50:16
